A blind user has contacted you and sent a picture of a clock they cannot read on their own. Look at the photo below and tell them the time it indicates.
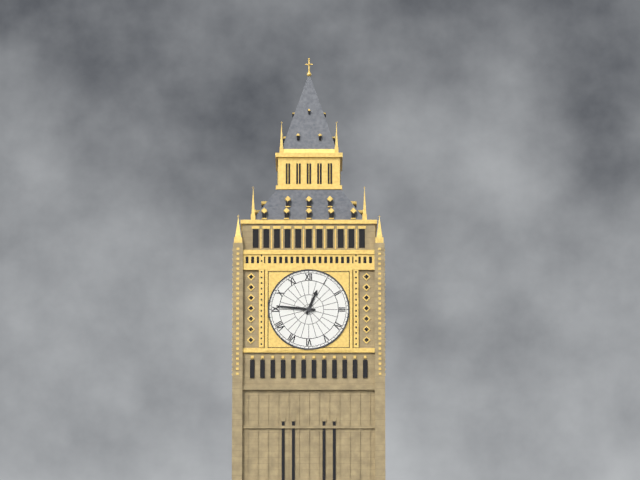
12:46
